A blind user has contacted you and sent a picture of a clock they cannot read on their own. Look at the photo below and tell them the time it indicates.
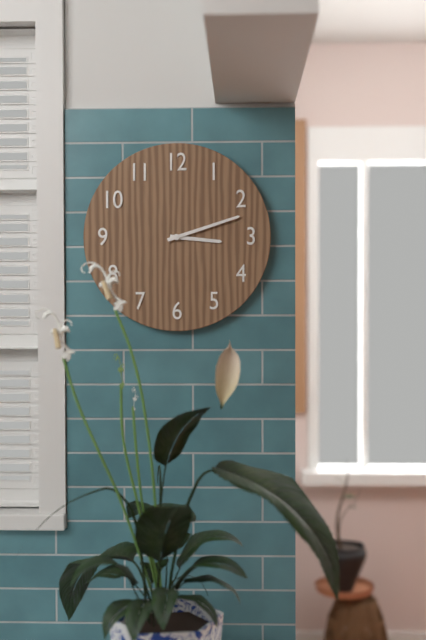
3:12
